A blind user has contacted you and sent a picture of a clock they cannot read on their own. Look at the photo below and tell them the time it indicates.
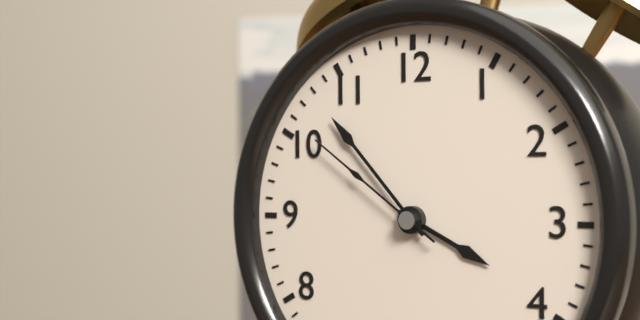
3:53:51
